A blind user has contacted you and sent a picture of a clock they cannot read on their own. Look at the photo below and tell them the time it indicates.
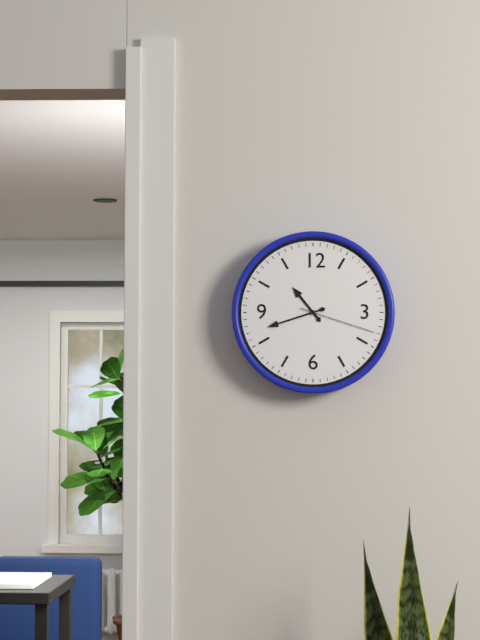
10:42:18
